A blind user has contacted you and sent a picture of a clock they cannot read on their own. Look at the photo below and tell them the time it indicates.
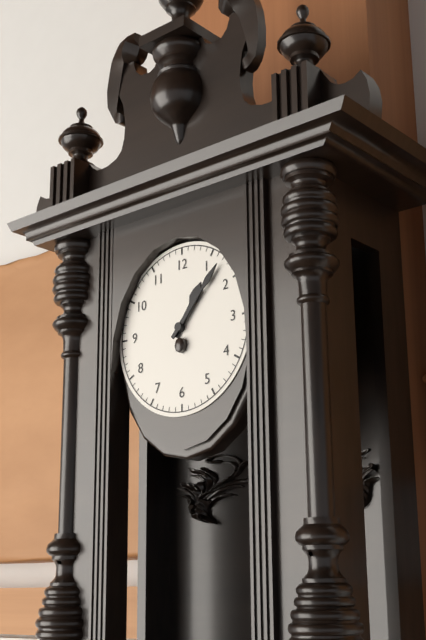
1:07
